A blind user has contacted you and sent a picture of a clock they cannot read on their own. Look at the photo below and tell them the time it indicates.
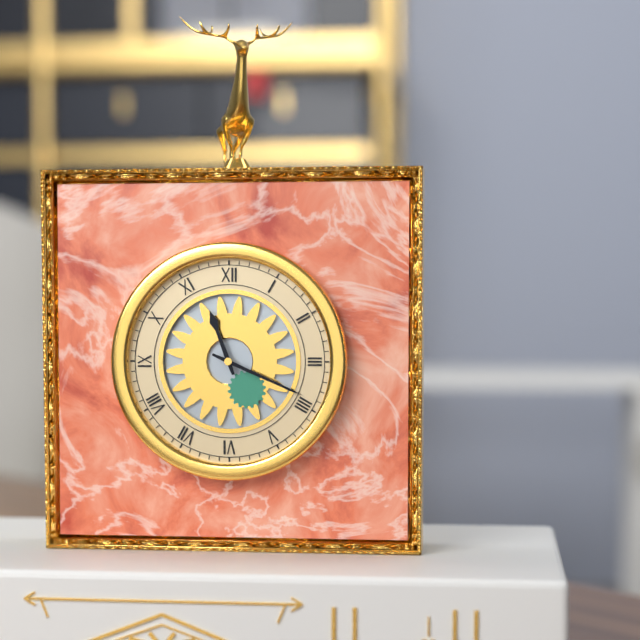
11:19
